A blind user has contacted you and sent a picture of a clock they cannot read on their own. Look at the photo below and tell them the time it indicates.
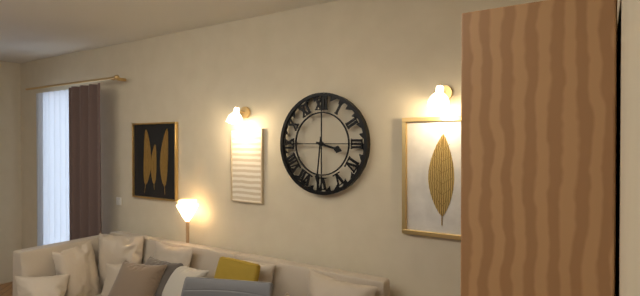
3:31
